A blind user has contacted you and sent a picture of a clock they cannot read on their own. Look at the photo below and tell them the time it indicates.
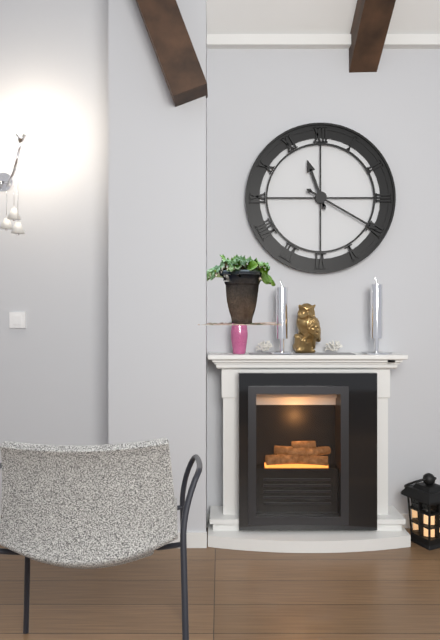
11:20
